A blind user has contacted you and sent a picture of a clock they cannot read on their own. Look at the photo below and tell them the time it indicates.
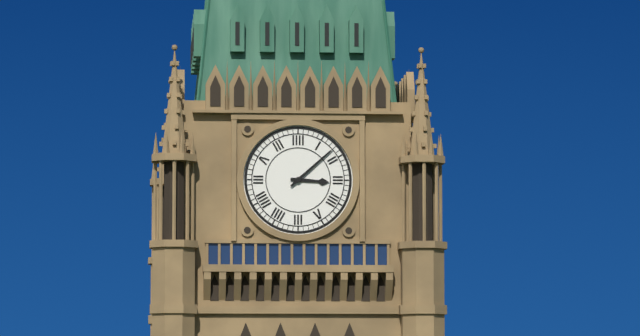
3:08
